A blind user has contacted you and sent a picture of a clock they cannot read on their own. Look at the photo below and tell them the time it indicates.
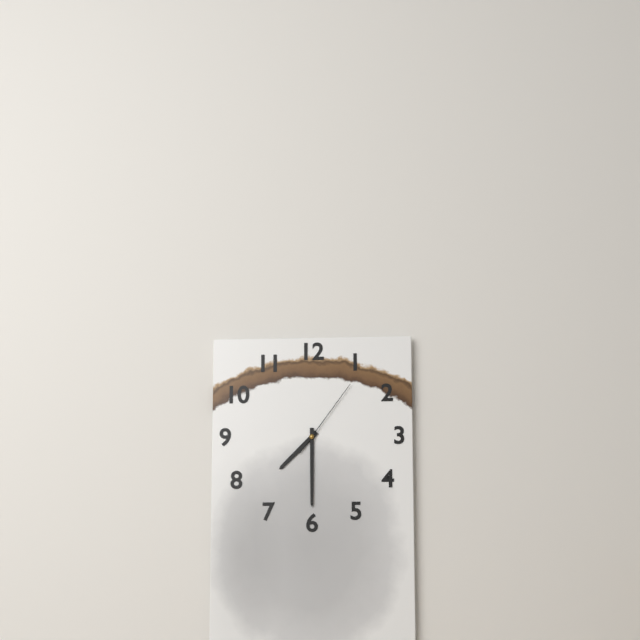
7:30:06
